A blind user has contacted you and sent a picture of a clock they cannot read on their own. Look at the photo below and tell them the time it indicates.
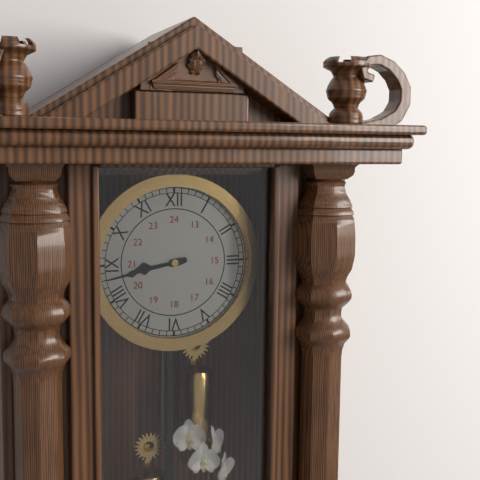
8:43
